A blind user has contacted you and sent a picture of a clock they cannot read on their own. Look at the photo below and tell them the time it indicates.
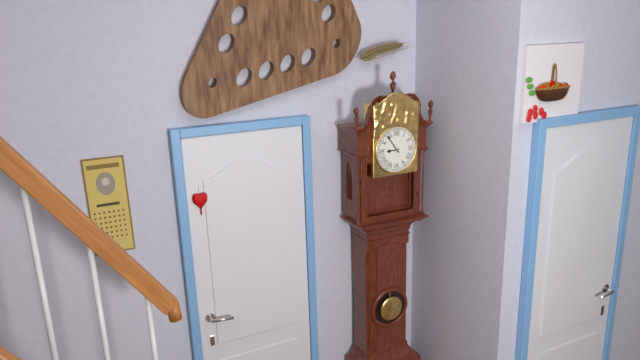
8:54
